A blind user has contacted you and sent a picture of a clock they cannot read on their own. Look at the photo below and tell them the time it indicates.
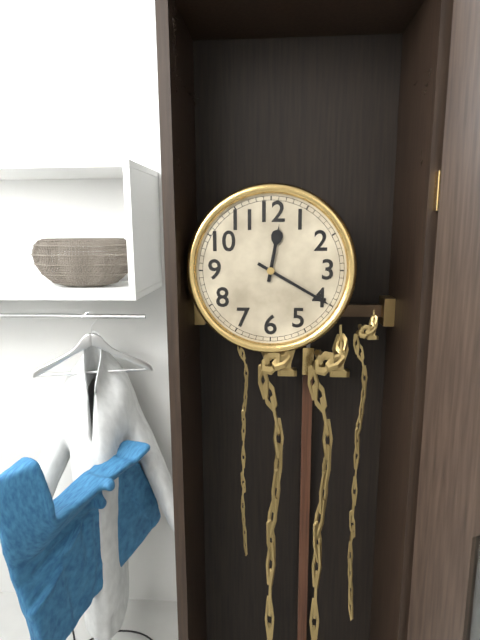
12:20
